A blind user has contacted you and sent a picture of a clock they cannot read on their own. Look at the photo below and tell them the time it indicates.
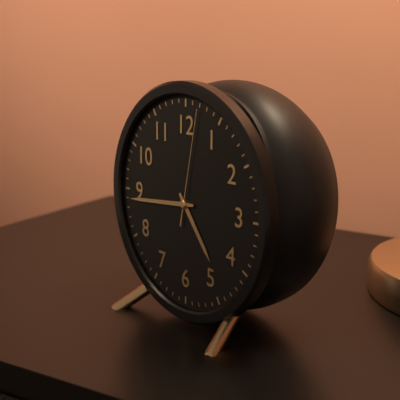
4:44:02
